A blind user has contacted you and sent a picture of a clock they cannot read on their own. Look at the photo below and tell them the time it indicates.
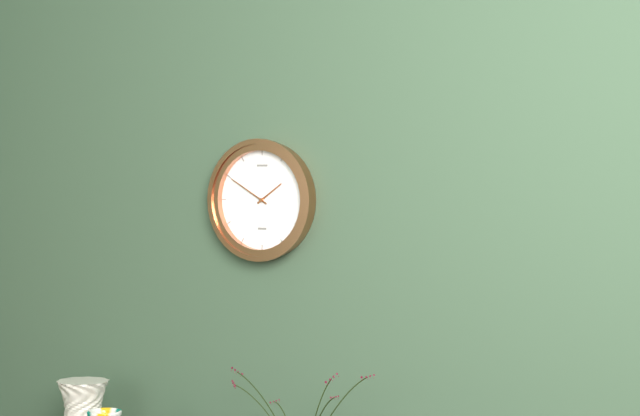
1:50
